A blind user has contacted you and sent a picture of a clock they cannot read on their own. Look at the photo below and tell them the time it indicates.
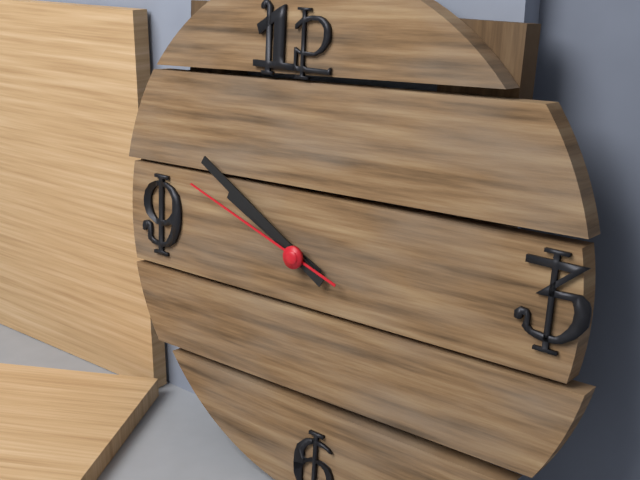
9:50:48
